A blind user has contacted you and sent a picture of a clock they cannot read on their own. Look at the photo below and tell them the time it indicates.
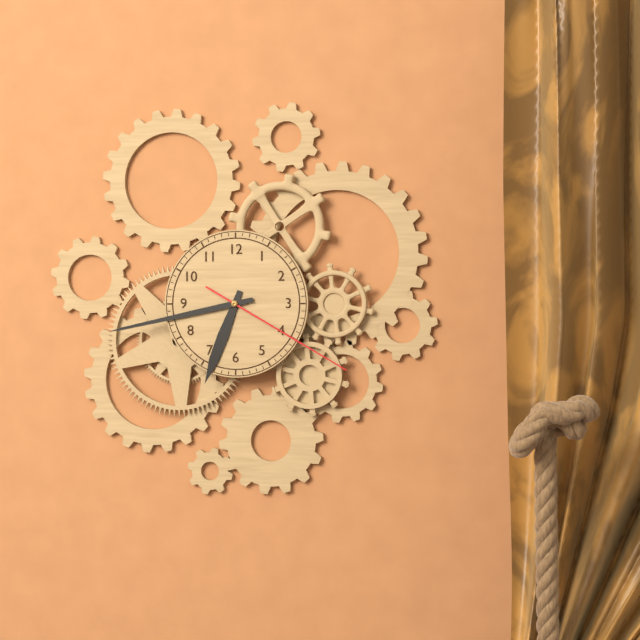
6:43:20
